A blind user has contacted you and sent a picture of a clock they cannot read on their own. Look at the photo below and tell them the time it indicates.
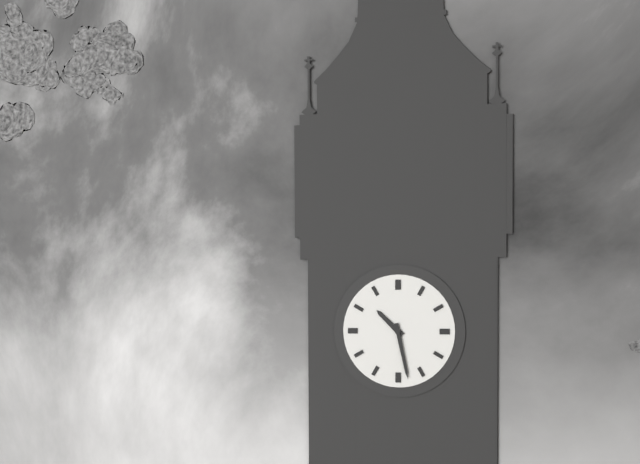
10:28
